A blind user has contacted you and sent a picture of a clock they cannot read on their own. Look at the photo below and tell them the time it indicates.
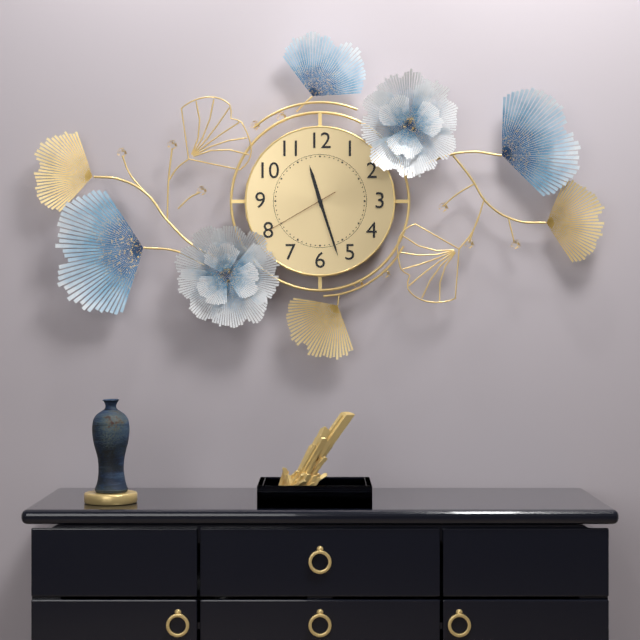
11:27:40
